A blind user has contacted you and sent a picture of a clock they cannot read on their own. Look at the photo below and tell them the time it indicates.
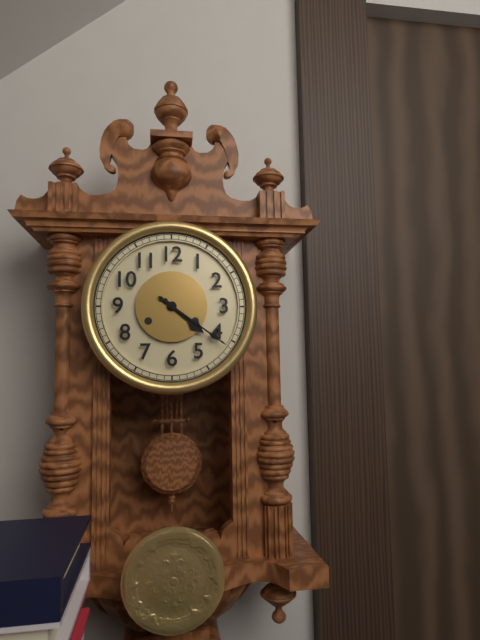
4:21
